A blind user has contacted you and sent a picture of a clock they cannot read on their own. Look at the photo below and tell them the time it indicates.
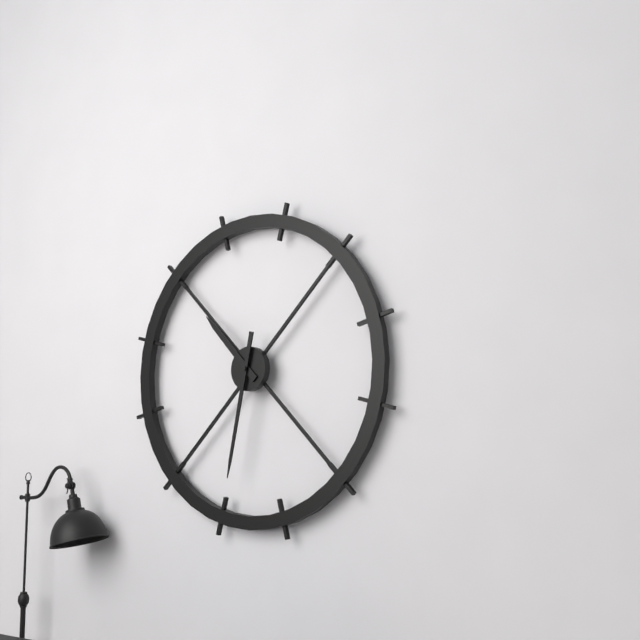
10:32
